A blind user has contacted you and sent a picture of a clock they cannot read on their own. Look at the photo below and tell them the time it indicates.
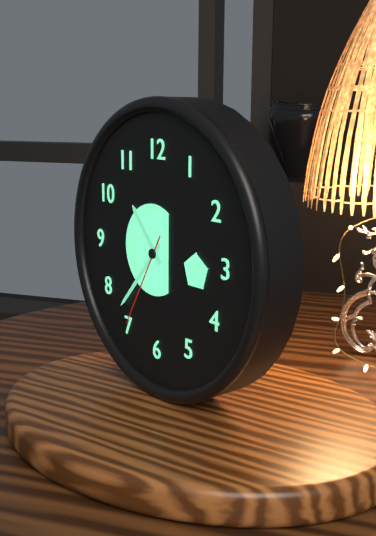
10:37:35
